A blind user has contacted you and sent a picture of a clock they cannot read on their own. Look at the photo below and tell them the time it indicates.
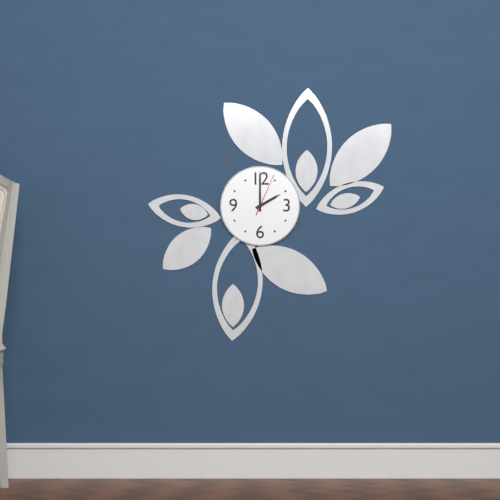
2:00
